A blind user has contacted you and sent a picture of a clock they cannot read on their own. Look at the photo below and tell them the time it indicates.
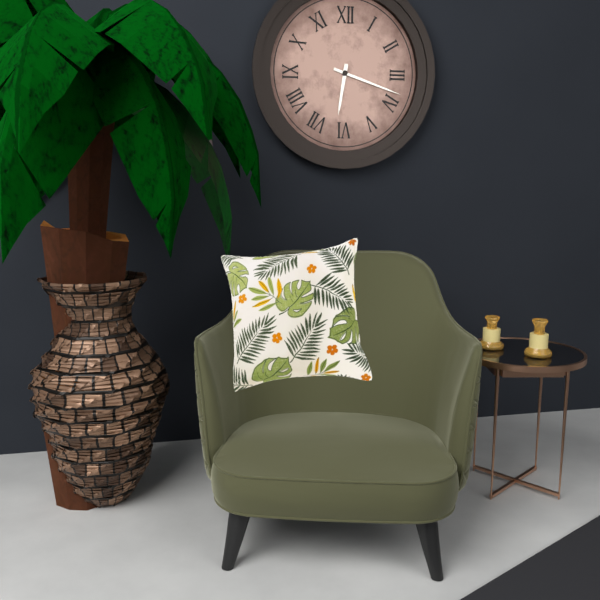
6:18
